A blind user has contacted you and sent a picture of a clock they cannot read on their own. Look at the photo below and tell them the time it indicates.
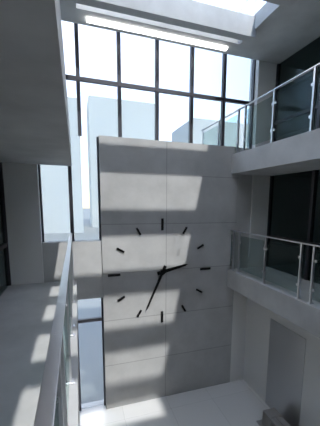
2:34
